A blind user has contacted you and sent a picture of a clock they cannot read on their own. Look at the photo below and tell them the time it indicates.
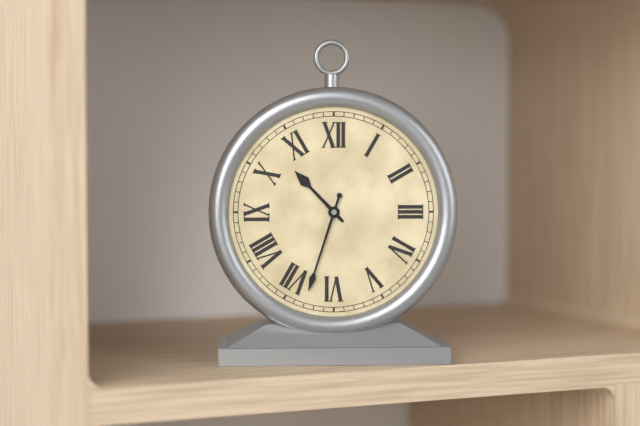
10:33
